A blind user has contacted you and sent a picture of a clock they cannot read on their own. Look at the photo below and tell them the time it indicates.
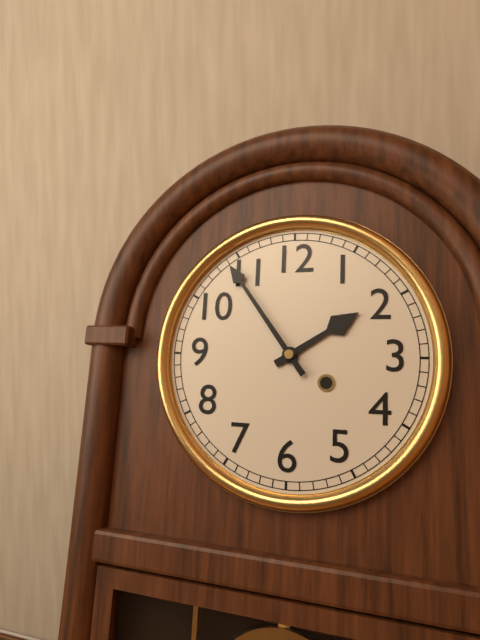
1:54
